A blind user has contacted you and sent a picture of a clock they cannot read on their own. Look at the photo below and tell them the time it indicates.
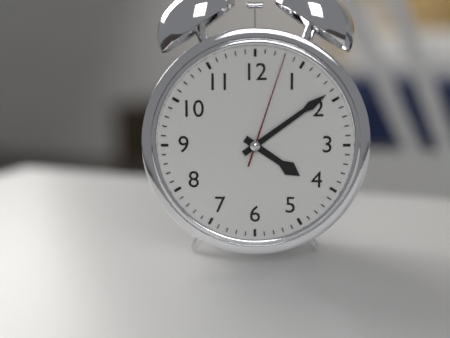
4:09:03
